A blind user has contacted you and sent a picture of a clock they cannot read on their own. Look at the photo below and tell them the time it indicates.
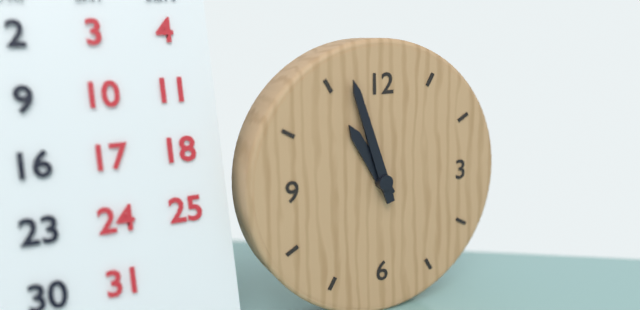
10:57
